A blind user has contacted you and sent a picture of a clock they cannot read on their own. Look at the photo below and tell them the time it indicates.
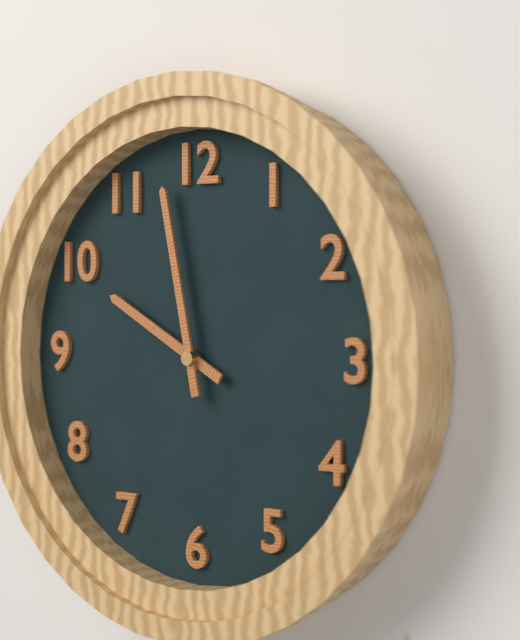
9:58
